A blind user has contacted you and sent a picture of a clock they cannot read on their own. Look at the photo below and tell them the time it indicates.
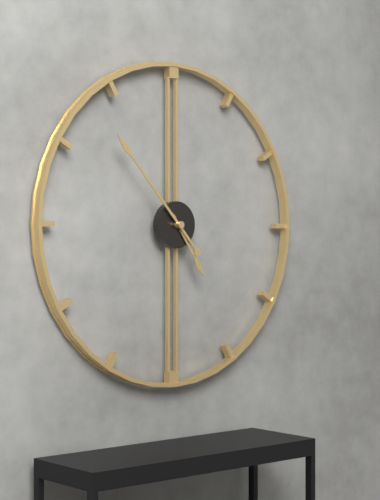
4:53
